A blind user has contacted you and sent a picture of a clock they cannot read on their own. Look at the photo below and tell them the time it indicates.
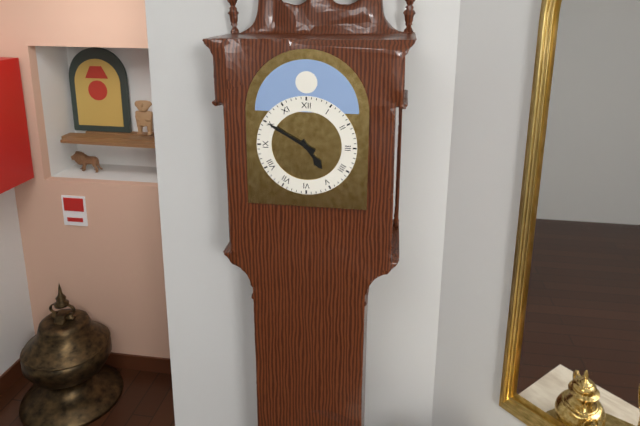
4:50
